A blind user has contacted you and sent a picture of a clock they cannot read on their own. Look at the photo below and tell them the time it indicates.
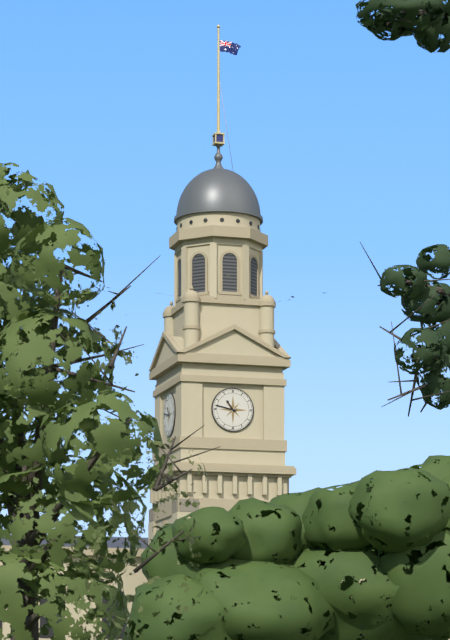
10:47
